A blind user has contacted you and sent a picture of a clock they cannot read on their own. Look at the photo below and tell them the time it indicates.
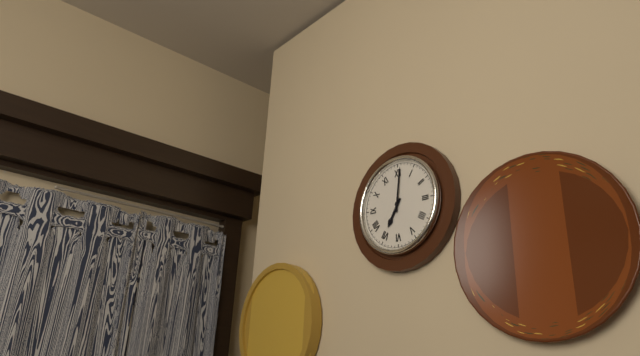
7:01
